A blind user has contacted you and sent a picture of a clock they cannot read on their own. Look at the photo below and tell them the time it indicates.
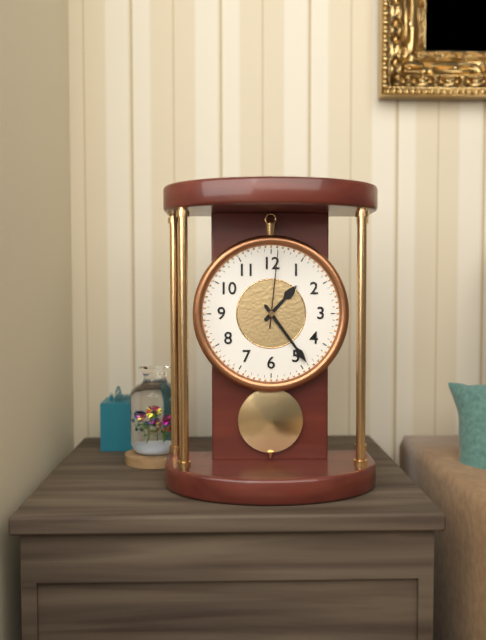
1:24:01
